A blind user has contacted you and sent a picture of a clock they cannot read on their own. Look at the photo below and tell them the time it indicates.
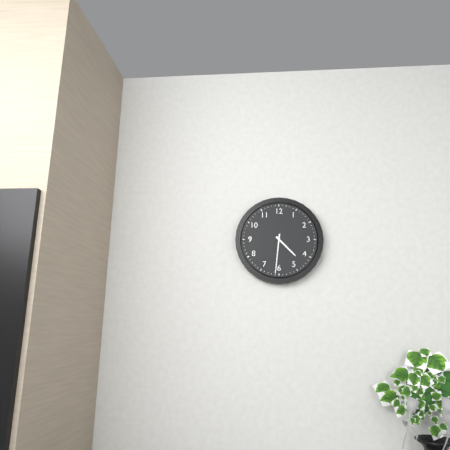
4:31
